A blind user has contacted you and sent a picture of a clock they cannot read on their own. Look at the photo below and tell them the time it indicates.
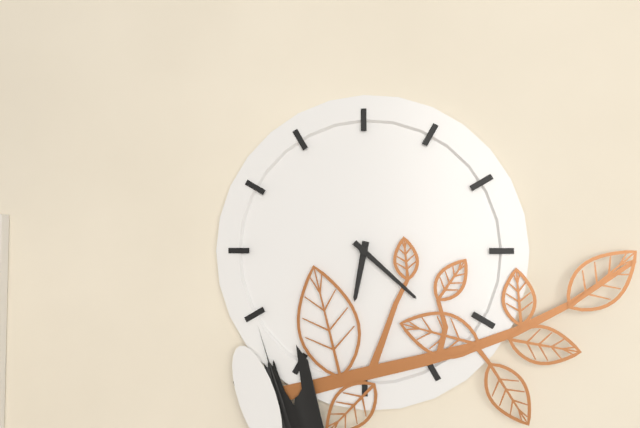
6:22
